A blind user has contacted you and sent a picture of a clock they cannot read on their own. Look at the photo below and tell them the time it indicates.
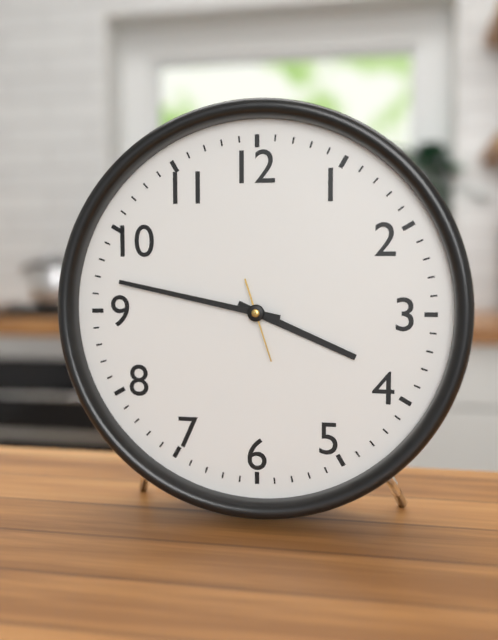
3:47:27
